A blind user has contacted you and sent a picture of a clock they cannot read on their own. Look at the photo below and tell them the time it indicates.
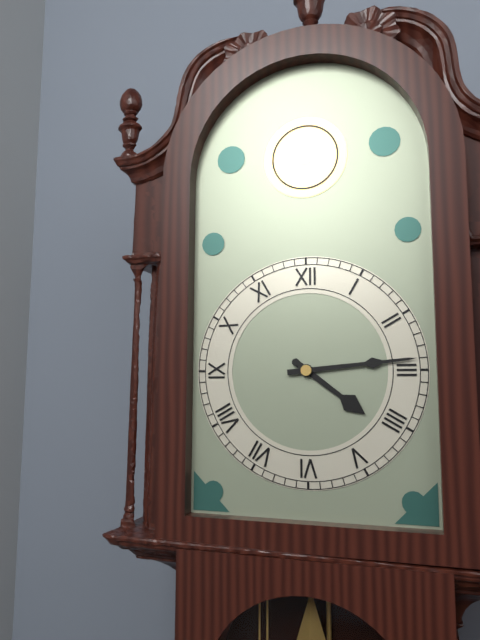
4:14
